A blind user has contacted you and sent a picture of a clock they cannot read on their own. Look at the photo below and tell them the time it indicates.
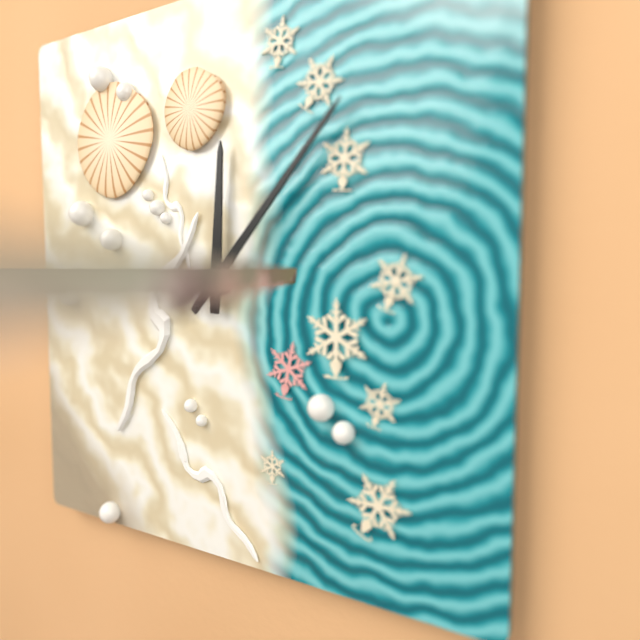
12:07
